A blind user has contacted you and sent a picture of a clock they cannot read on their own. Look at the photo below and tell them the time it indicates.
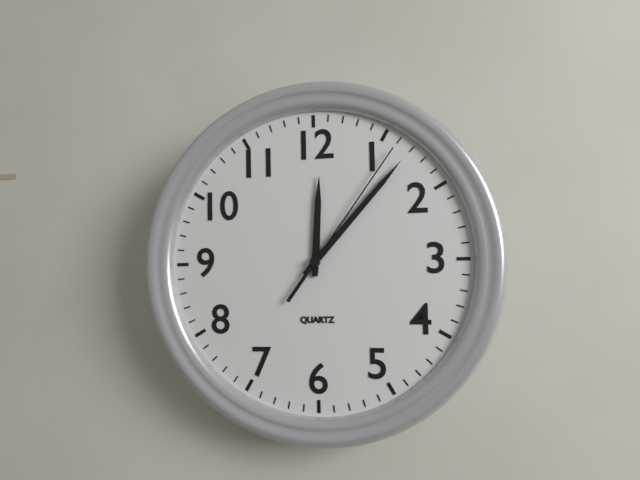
12:07:06
